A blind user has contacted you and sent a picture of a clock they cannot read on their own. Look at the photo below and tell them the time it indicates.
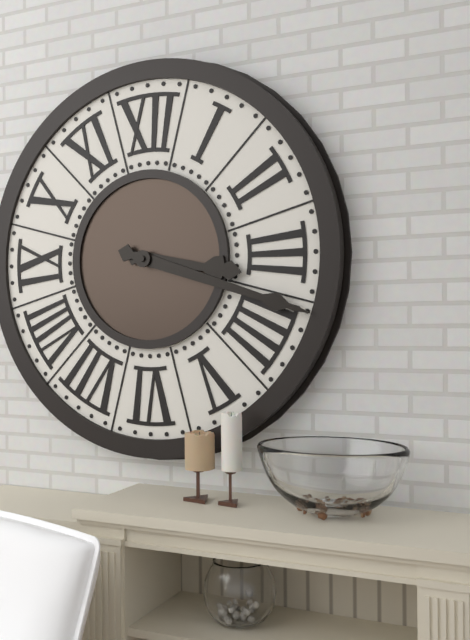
3:18
